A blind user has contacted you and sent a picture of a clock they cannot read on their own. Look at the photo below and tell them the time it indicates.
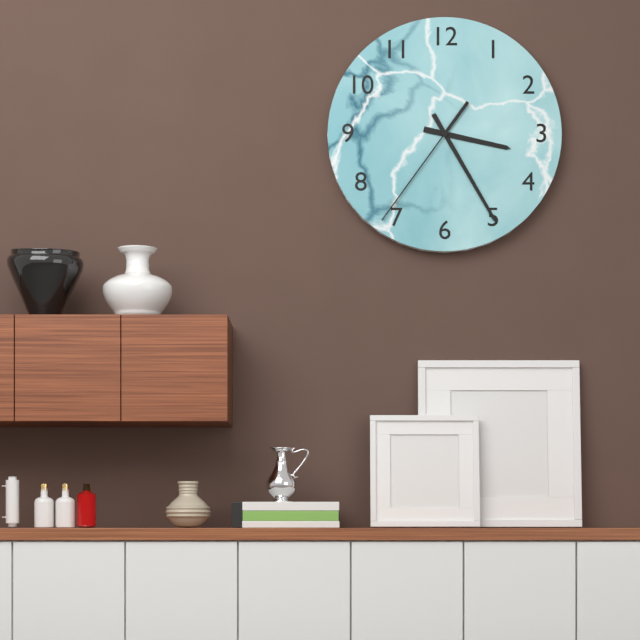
3:25:36
